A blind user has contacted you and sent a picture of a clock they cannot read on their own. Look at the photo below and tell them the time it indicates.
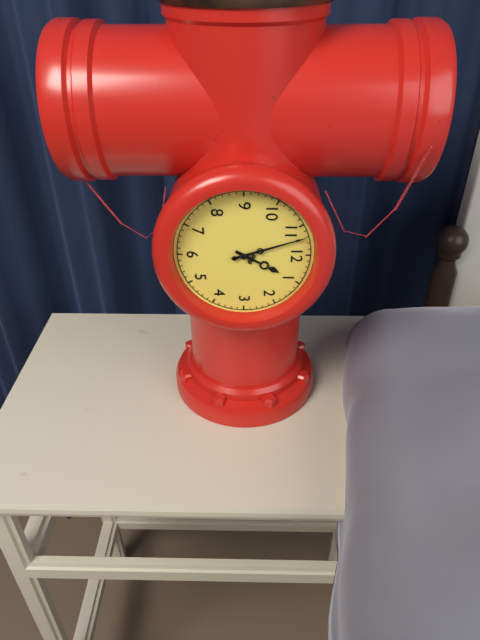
12:57
